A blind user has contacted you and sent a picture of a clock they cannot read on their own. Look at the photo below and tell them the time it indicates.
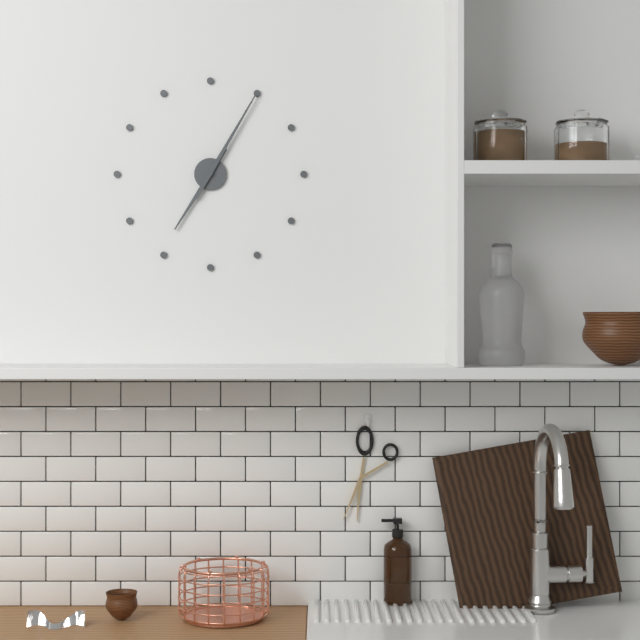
7:05
